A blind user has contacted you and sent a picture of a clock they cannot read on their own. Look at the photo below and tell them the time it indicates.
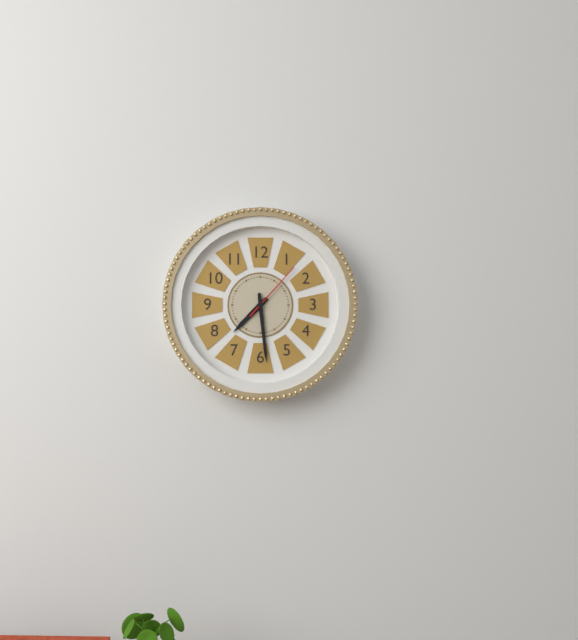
7:29:07
